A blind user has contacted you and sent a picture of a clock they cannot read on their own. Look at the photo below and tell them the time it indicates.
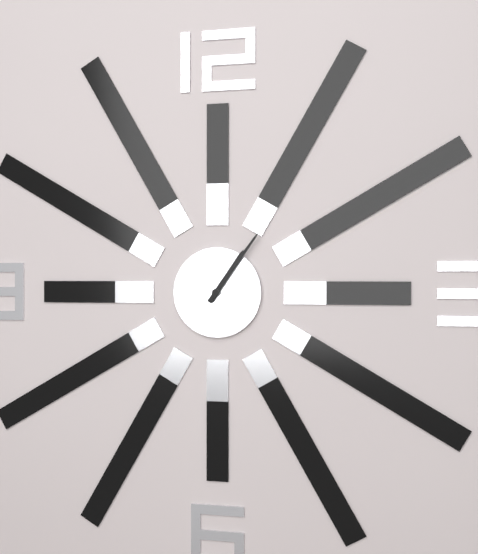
1:06
